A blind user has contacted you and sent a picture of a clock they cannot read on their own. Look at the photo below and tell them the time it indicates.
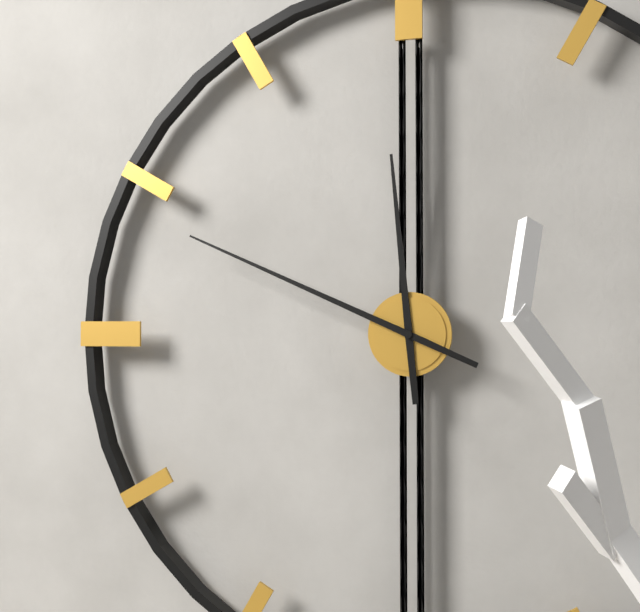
11:49
